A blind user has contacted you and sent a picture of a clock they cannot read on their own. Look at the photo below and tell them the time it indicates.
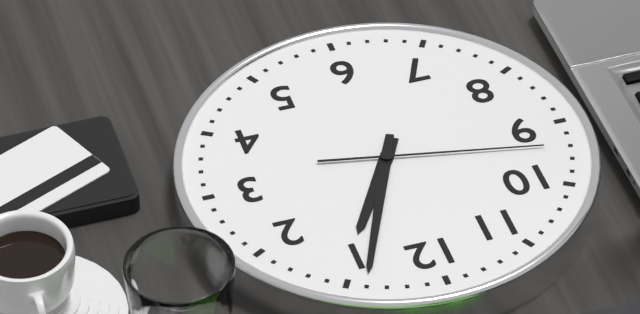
1:04:47
